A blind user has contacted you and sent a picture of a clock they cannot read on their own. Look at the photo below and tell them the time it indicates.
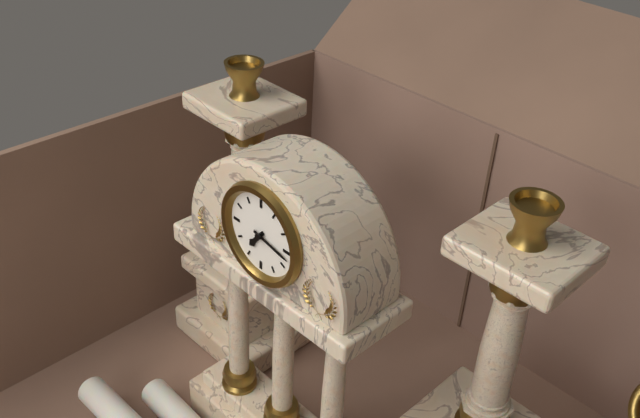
7:17
